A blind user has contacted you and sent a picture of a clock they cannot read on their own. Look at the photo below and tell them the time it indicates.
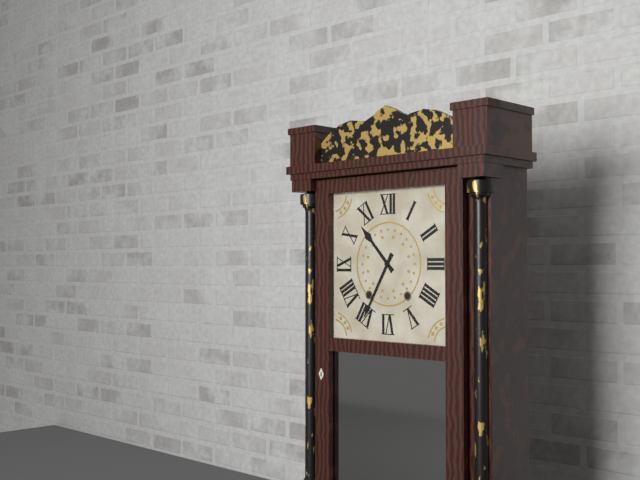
10:35
